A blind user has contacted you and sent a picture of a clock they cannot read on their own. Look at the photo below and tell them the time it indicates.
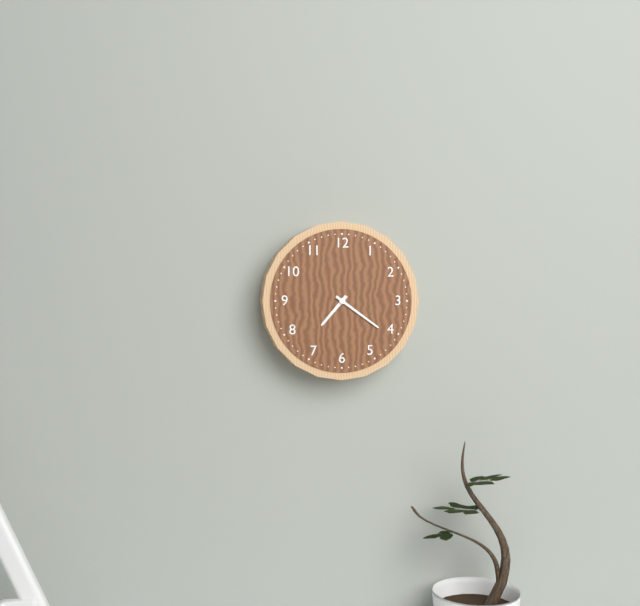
7:21
